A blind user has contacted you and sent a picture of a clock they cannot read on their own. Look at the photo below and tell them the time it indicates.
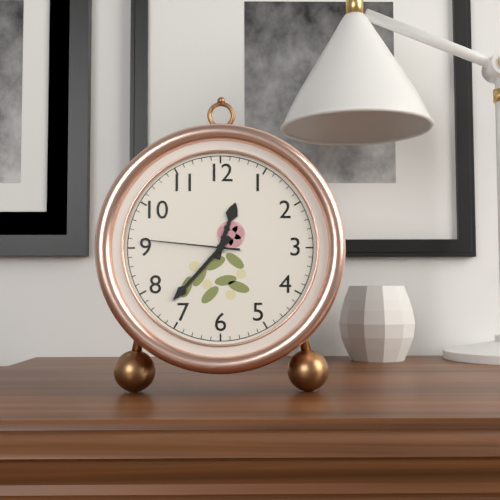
12:37:46
